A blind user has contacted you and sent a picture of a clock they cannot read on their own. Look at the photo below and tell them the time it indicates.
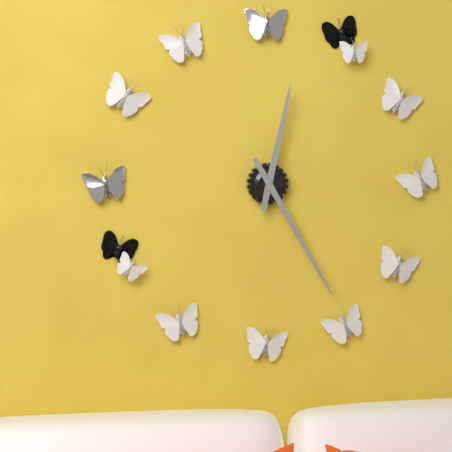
12:25
